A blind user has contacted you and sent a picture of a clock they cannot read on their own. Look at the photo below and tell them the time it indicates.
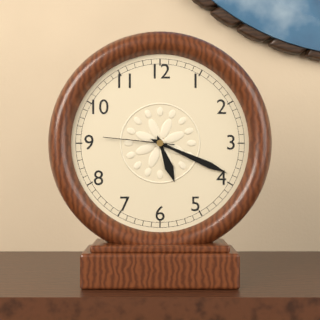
5:19:46
